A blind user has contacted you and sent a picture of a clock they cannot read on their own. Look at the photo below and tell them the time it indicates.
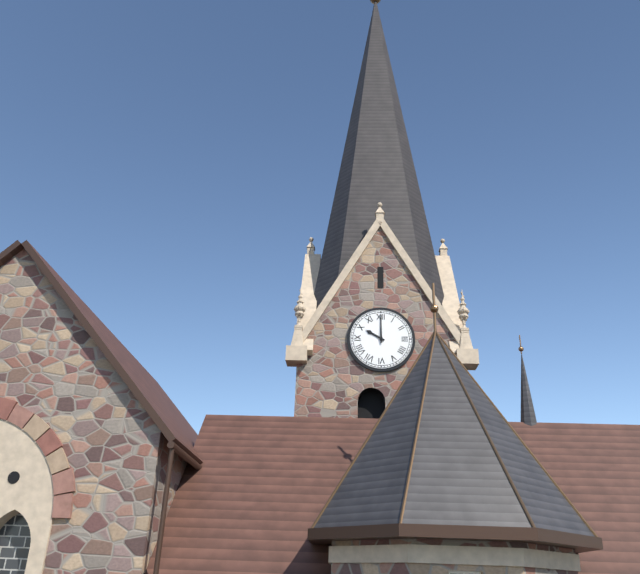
10:00
